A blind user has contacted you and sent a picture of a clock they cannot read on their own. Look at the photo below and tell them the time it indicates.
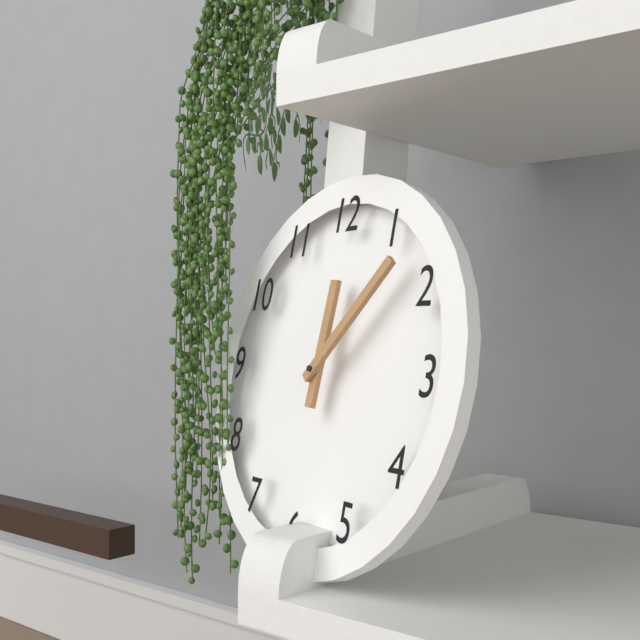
12:07
